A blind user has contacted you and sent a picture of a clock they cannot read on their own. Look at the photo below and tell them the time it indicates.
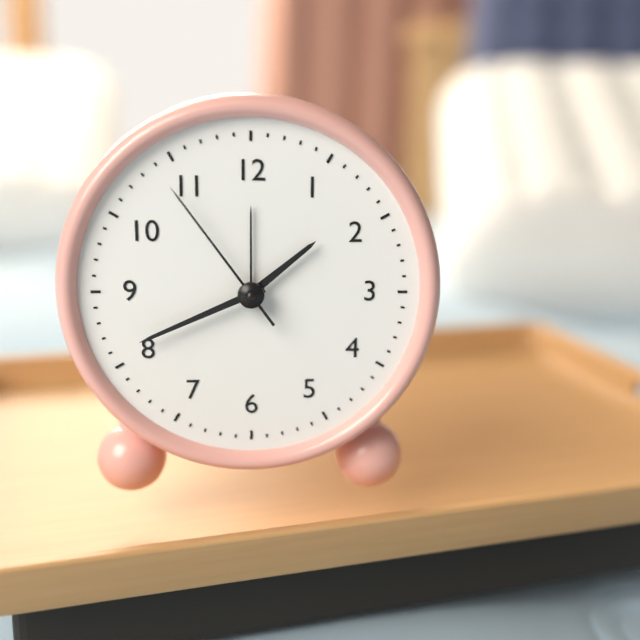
1:41:54
